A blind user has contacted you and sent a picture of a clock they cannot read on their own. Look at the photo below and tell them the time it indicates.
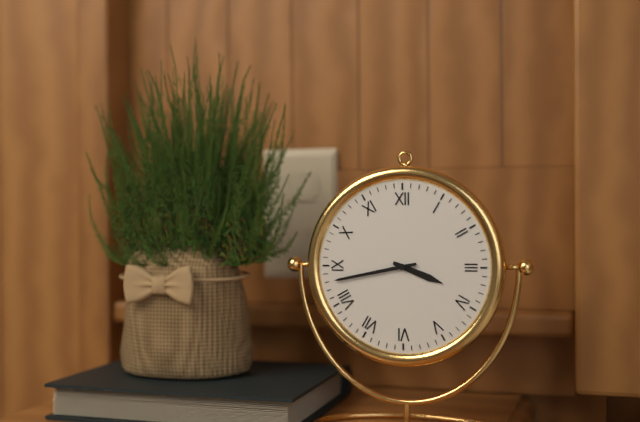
3:43
